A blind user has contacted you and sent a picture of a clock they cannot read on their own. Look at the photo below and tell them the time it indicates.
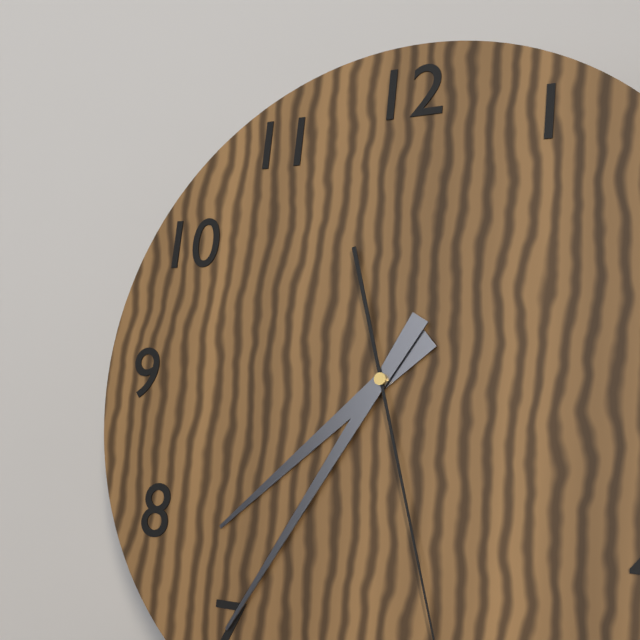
7:35
